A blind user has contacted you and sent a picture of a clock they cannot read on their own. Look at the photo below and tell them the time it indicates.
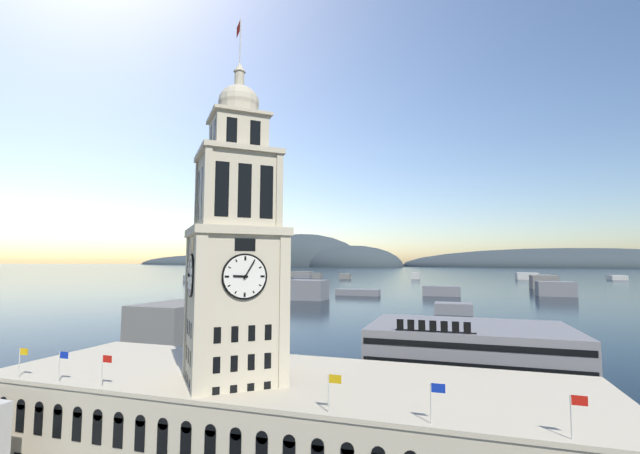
9:05
